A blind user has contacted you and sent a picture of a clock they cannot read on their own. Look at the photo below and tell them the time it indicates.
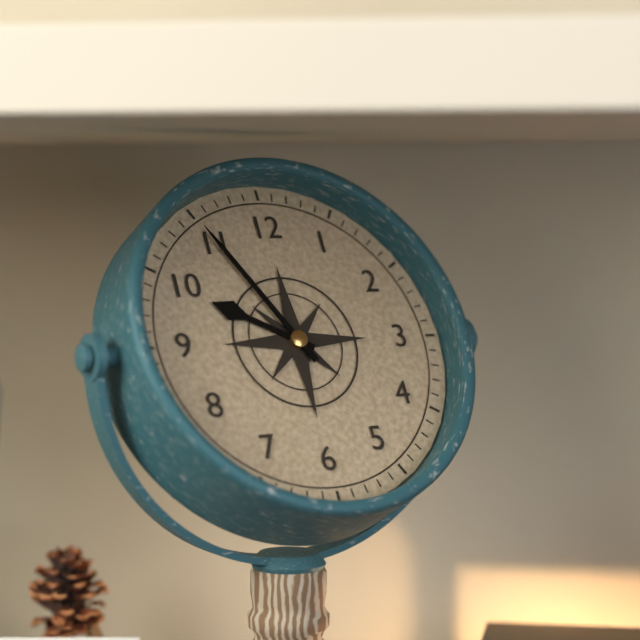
9:55
